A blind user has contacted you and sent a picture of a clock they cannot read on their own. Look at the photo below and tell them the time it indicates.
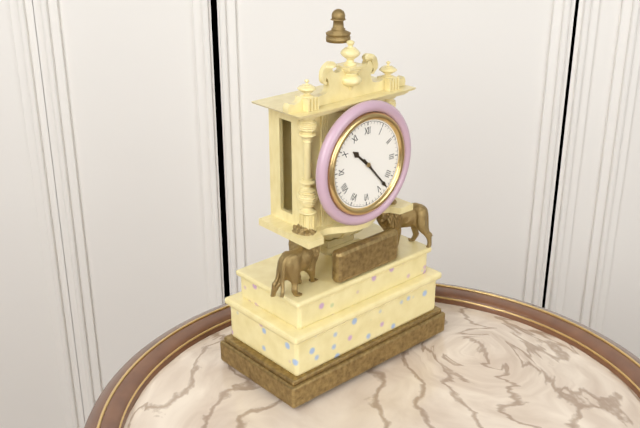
10:23
